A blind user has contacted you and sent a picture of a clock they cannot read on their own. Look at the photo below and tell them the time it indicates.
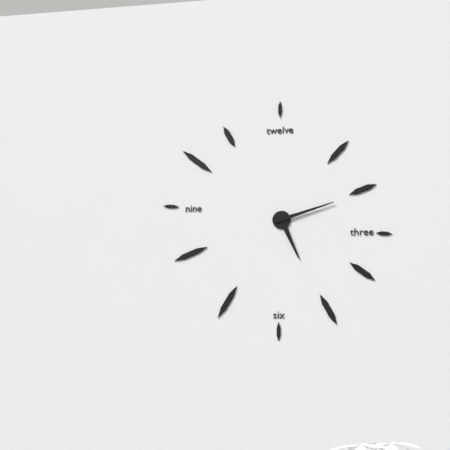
5:12
